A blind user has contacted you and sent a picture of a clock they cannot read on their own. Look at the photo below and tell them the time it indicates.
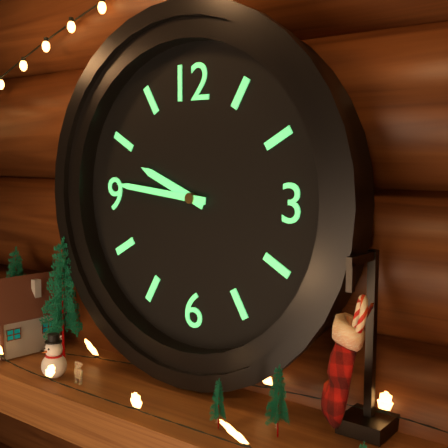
9:46
